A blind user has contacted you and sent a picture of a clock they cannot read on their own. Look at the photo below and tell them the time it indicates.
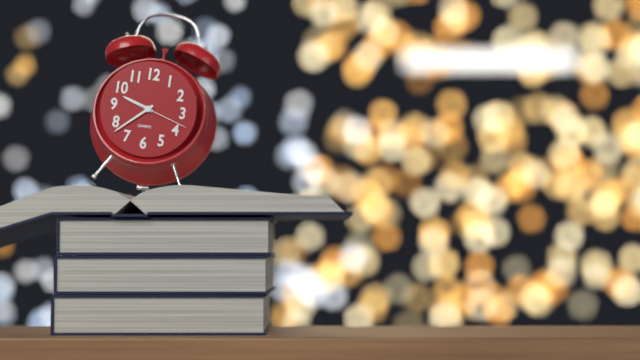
9:38:18
